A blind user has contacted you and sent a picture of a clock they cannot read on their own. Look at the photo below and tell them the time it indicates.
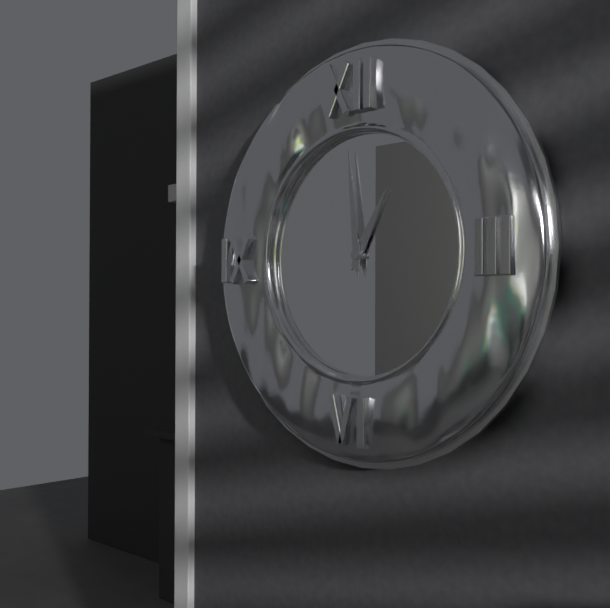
12:59
